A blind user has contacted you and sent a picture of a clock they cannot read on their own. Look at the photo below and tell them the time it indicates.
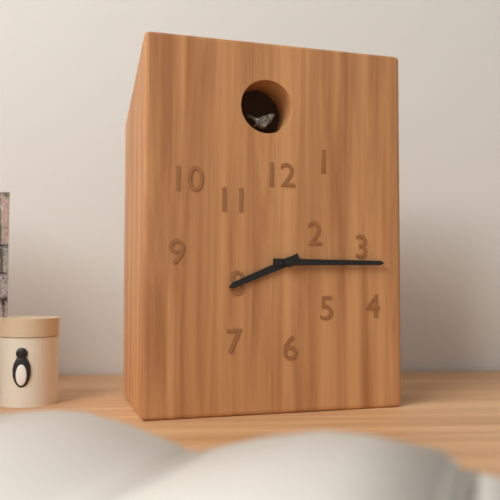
8:15
